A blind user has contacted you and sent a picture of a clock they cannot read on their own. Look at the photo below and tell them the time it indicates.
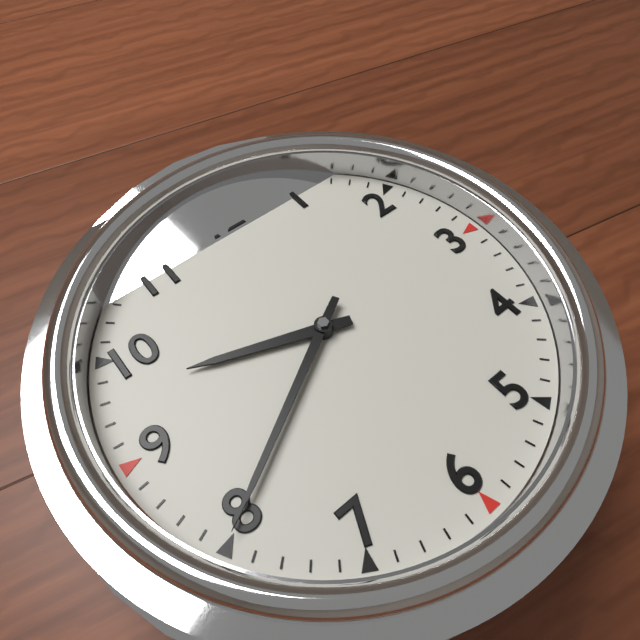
9:40
